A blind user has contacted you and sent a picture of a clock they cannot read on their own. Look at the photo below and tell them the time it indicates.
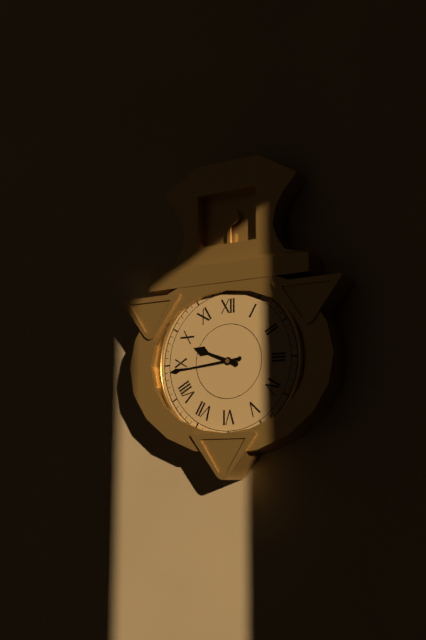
9:44
